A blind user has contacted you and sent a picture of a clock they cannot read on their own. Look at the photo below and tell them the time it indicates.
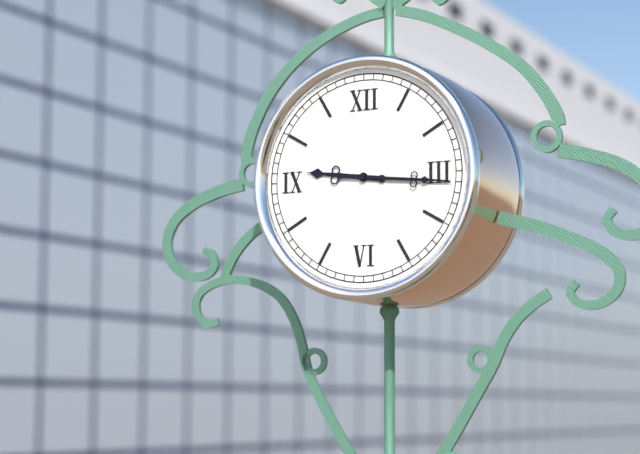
9:16
